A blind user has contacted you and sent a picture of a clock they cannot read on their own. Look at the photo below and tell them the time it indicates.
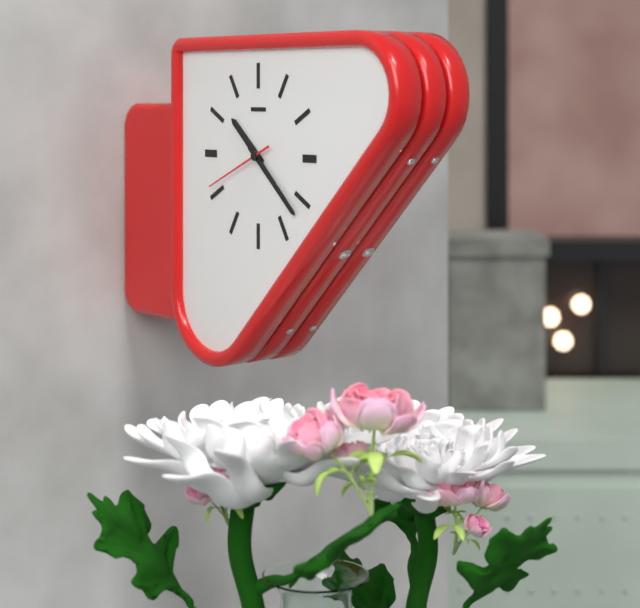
10:22:41
